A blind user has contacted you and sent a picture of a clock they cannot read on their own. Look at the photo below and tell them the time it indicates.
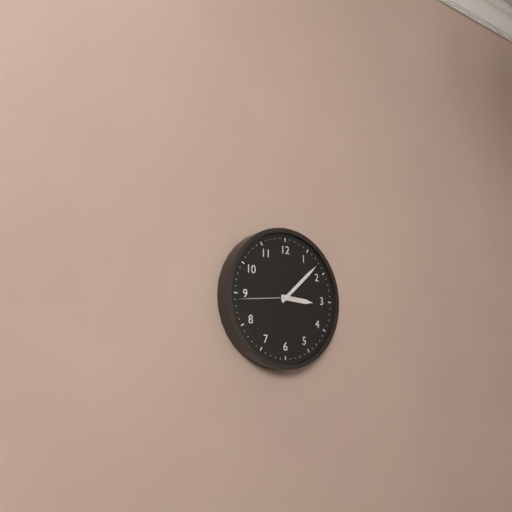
3:08:44
